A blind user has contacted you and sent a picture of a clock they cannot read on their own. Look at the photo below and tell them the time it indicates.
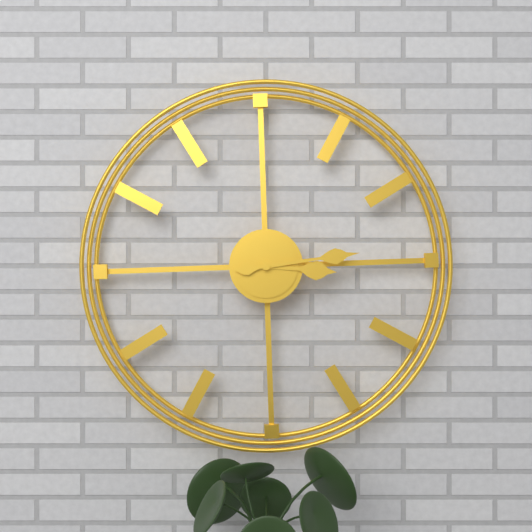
3:14
